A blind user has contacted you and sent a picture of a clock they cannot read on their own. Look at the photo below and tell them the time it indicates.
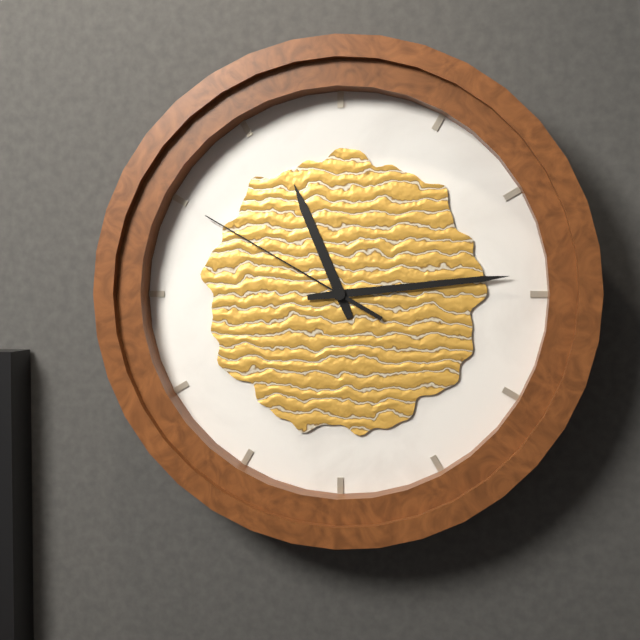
11:14:50
